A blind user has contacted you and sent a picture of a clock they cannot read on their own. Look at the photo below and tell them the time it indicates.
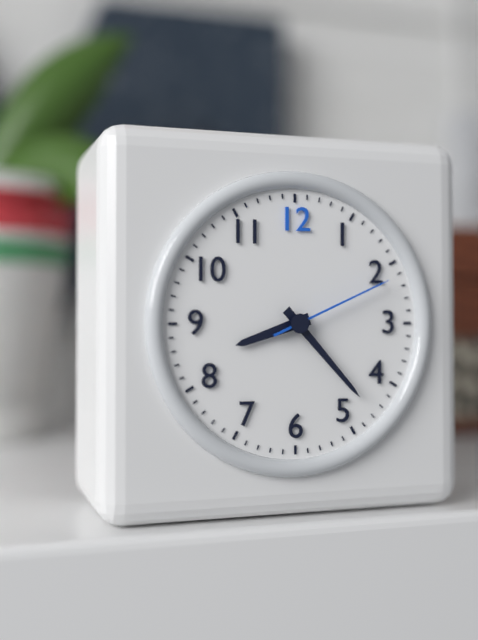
8:23:11
